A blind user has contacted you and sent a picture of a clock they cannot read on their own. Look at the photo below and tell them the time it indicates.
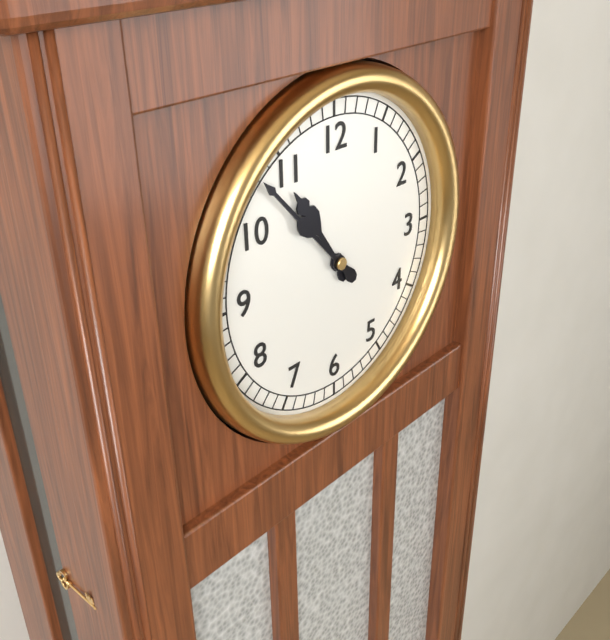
10:53
